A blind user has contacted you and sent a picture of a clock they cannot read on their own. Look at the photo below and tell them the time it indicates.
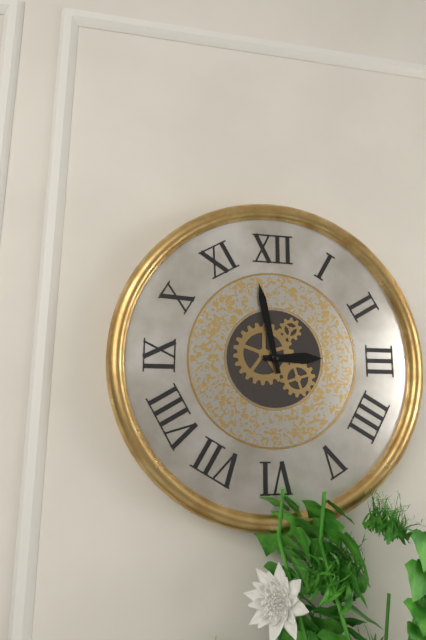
2:58
